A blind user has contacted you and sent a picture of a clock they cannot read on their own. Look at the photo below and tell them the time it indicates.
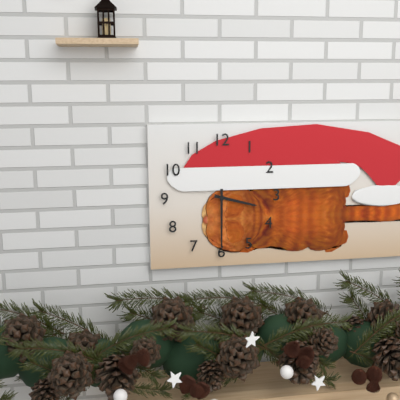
3:30
